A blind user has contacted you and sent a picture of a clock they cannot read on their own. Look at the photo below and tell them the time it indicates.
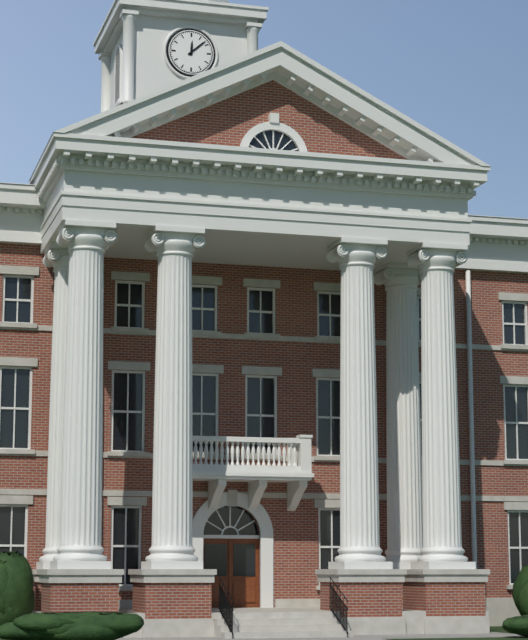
12:08
